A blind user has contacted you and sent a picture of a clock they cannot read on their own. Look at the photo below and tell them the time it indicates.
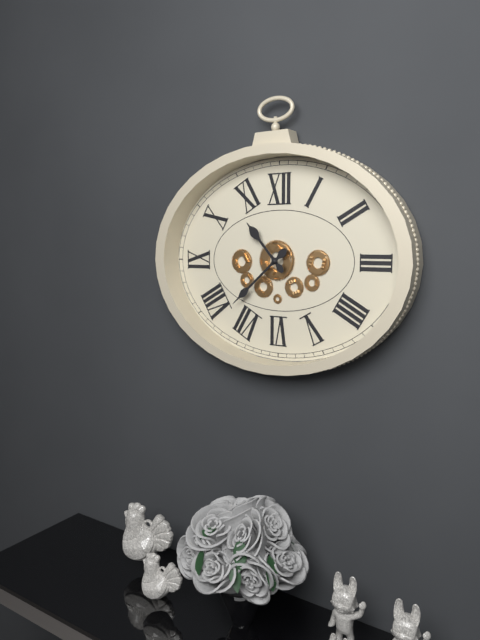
10:38
